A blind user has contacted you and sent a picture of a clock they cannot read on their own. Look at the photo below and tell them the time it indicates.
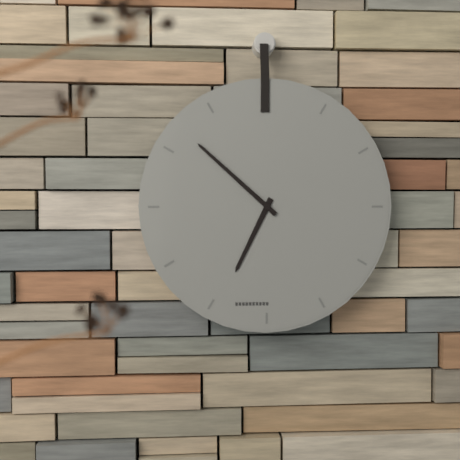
6:52
